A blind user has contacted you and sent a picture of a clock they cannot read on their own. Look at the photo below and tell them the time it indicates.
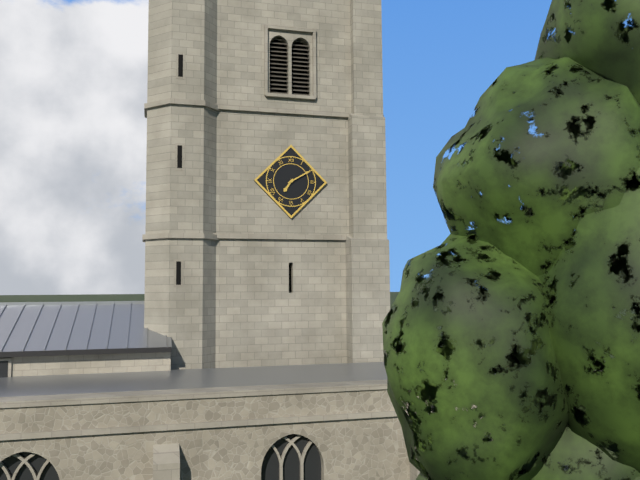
7:10
